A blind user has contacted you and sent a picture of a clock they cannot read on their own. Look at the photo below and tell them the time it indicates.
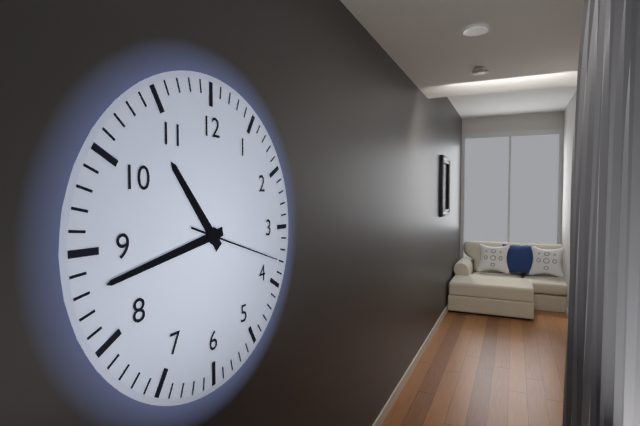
10:43:18
